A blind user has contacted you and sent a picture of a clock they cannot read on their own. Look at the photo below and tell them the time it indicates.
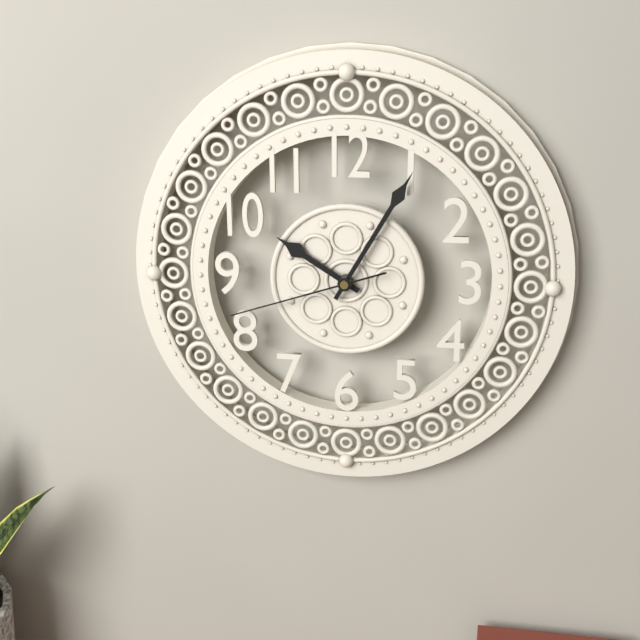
10:05:42
